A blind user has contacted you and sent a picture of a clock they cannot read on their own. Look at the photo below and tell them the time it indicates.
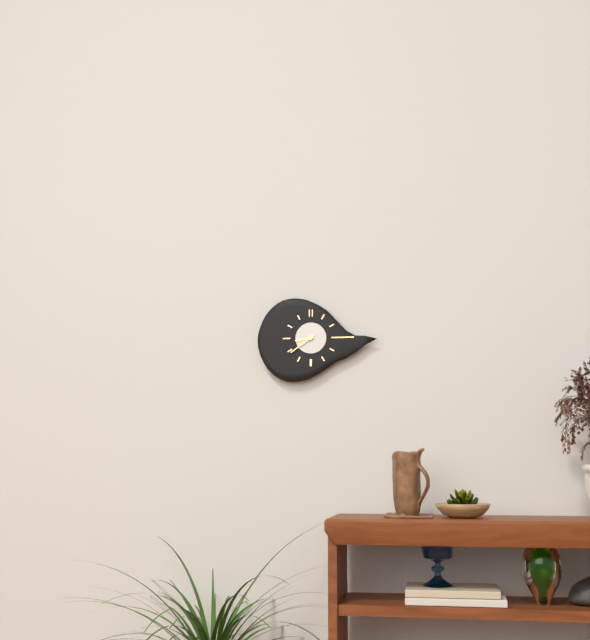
8:39
